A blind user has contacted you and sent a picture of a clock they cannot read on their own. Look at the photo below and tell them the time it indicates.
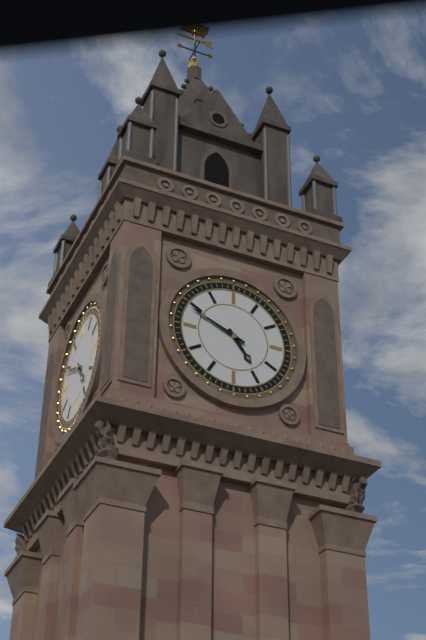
4:49
